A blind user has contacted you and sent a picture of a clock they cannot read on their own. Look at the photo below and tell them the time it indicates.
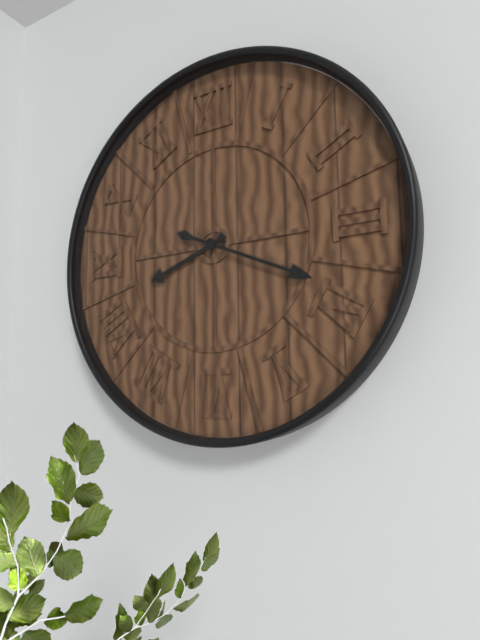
8:19
